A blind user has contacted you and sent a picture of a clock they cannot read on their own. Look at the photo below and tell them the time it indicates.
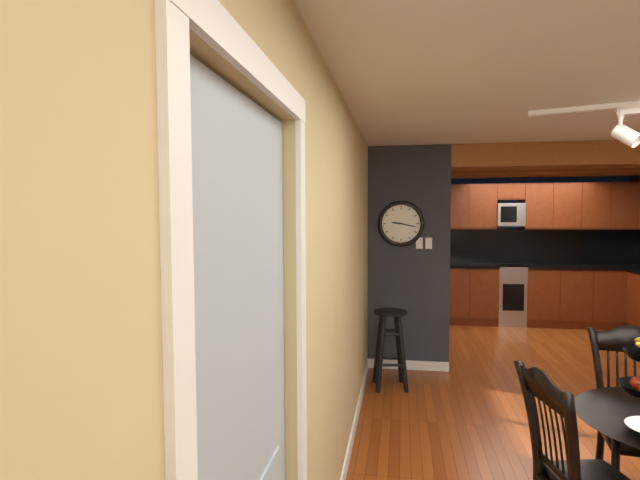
9:17
